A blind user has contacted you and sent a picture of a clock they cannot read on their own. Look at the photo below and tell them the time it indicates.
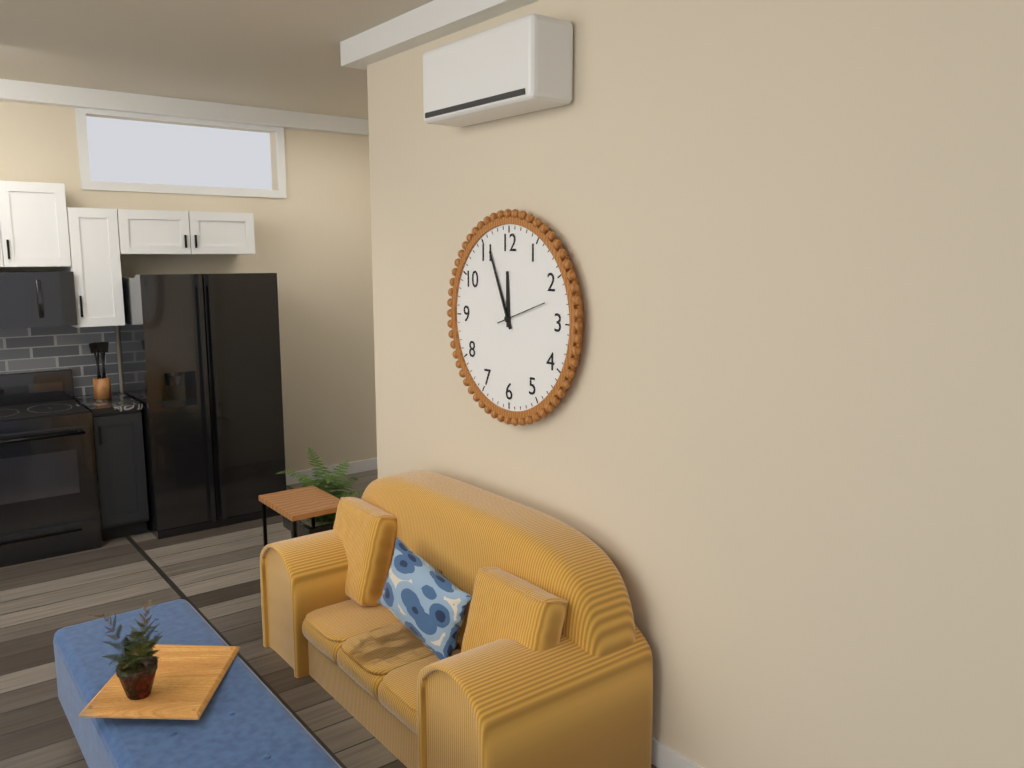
11:56
